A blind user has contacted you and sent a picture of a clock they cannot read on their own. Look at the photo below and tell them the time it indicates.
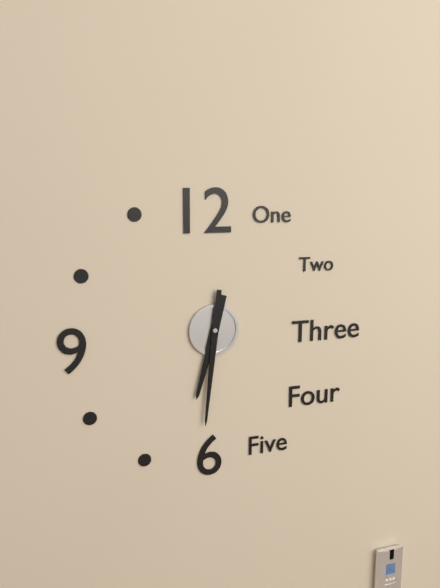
6:31
